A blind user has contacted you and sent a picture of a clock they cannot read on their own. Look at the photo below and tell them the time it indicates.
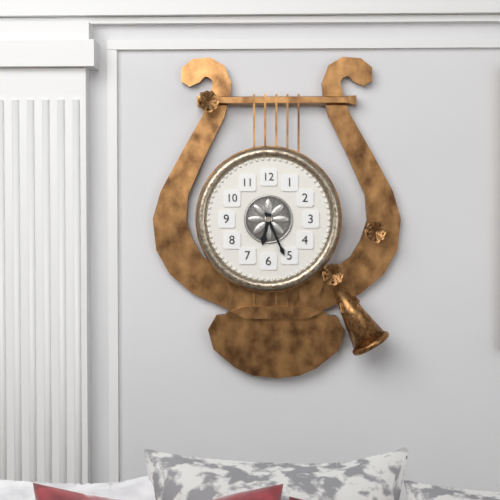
6:26
